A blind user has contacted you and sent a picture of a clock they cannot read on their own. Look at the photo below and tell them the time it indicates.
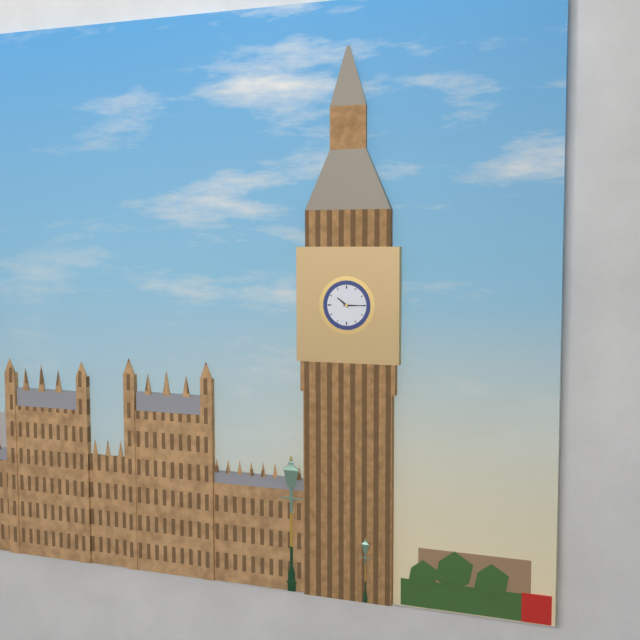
10:15
